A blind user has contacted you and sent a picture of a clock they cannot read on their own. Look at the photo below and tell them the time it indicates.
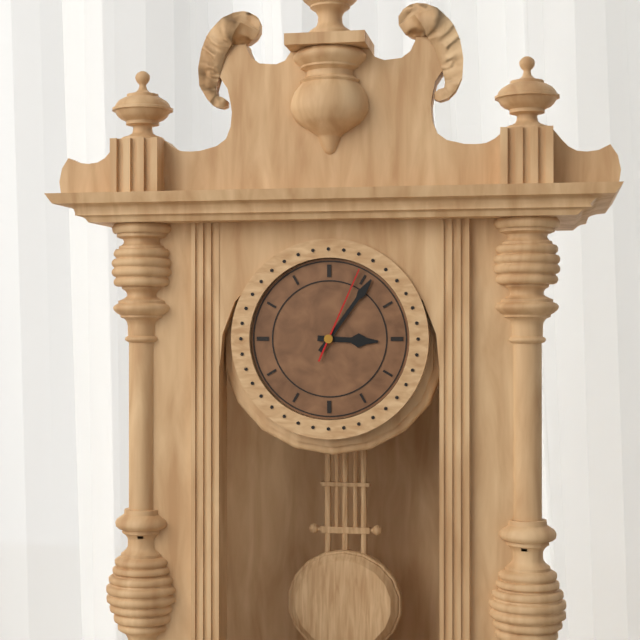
3:06:04
